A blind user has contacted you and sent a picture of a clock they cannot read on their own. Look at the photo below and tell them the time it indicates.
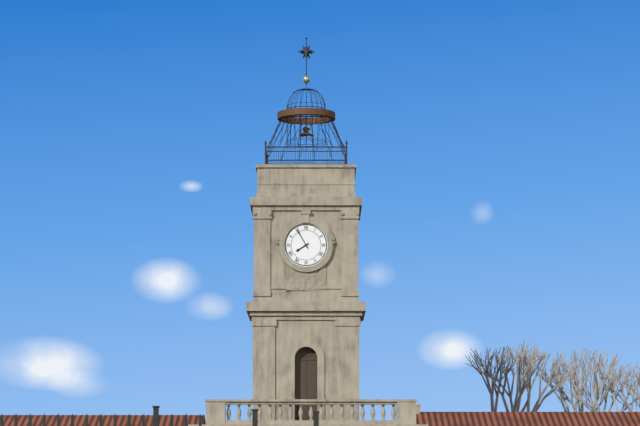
7:55
